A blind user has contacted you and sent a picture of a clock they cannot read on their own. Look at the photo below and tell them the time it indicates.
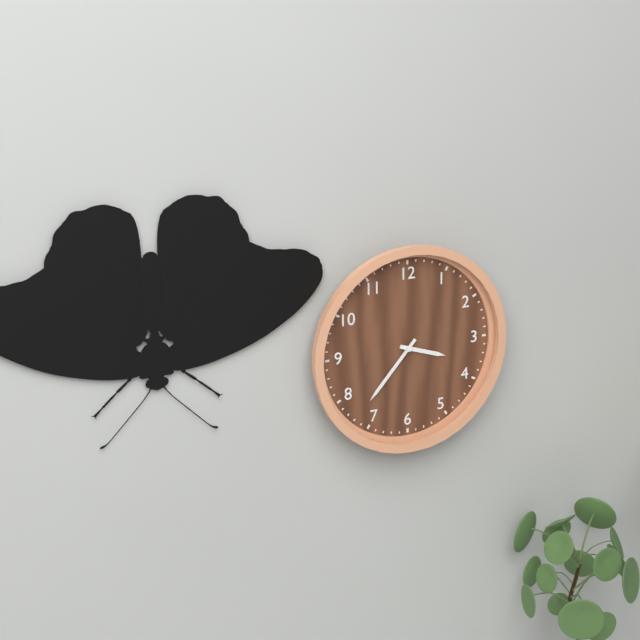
3:37
